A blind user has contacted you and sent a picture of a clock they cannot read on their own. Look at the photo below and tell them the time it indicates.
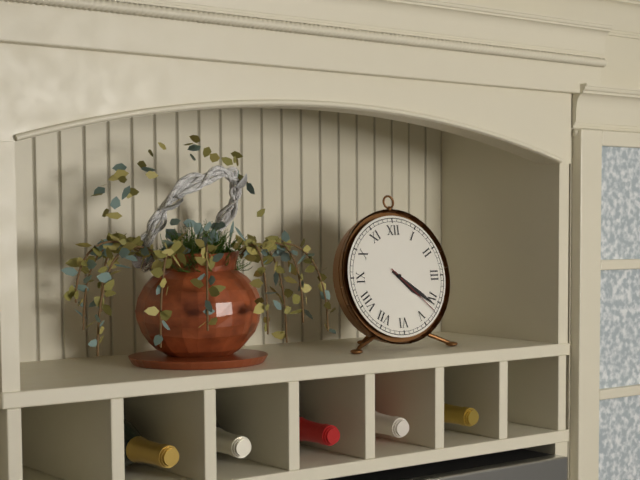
4:21:22
